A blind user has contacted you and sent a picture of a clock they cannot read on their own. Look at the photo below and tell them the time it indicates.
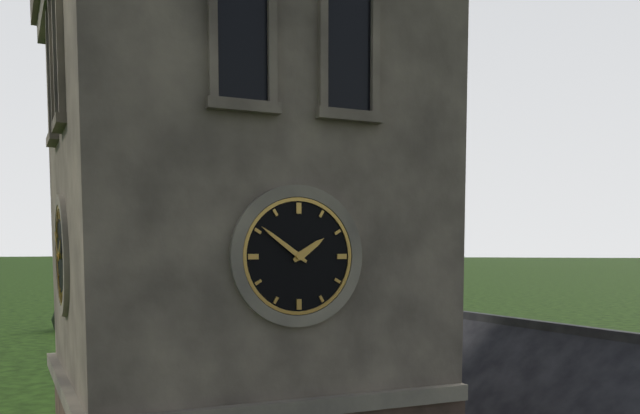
1:51
